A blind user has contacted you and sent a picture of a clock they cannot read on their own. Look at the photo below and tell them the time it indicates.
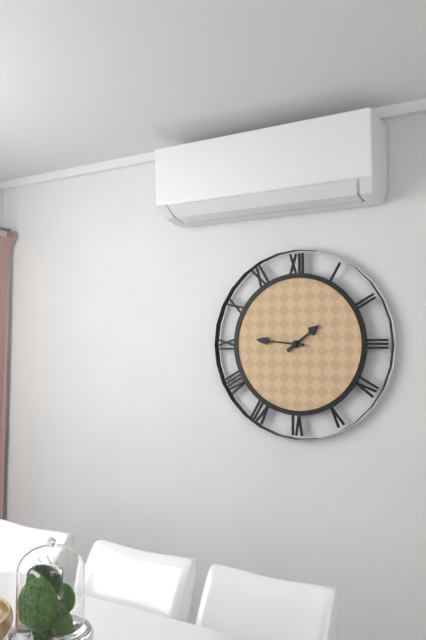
1:46
